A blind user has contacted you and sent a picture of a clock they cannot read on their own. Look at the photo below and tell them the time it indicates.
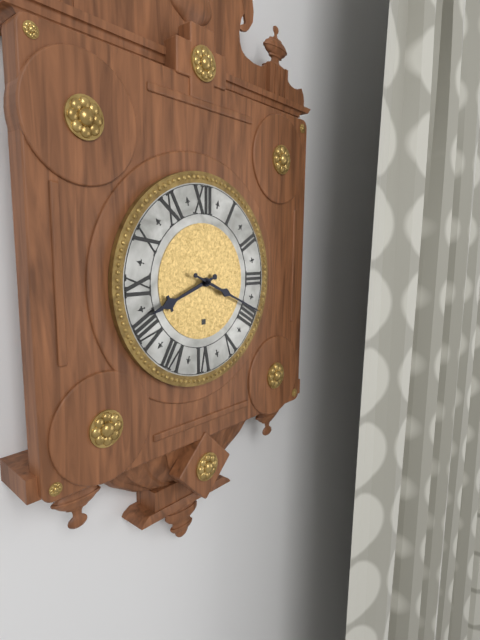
8:19
